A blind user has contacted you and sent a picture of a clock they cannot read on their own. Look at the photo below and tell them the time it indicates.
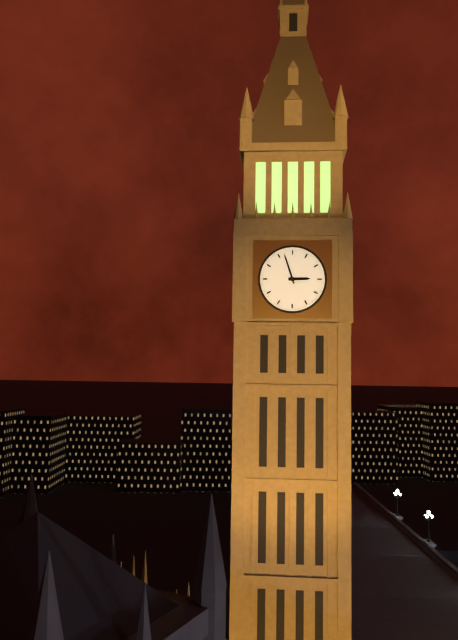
2:57
